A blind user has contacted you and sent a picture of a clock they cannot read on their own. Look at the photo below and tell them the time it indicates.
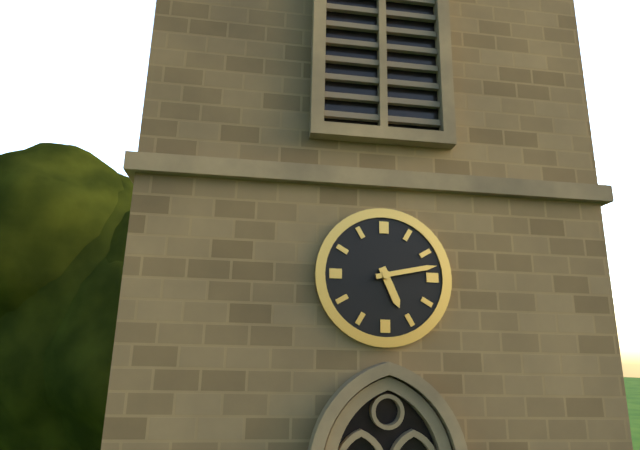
5:13
